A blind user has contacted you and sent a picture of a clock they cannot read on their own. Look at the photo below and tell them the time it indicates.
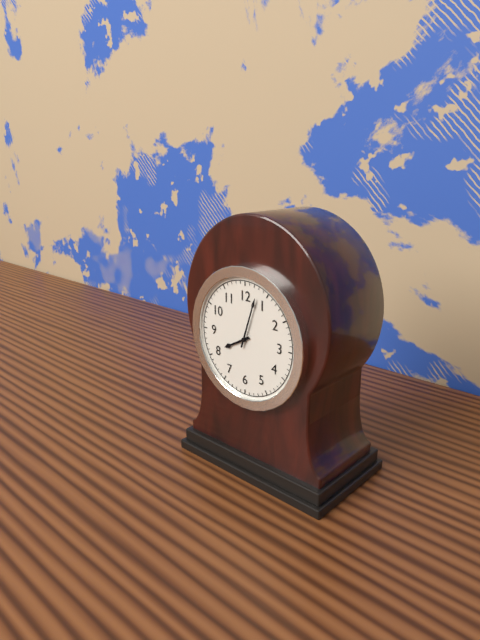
8:03
